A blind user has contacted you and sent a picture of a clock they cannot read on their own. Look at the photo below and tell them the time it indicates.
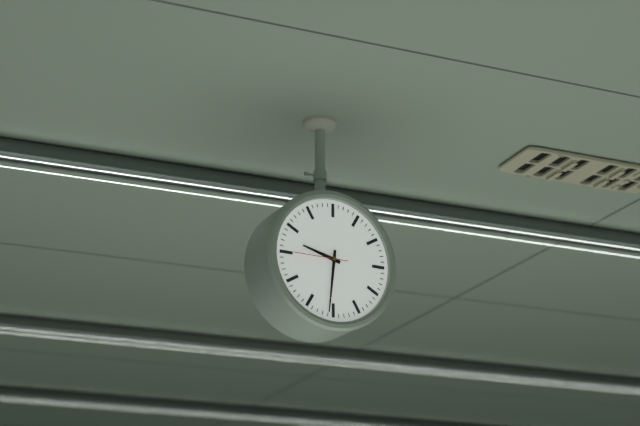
9:31
